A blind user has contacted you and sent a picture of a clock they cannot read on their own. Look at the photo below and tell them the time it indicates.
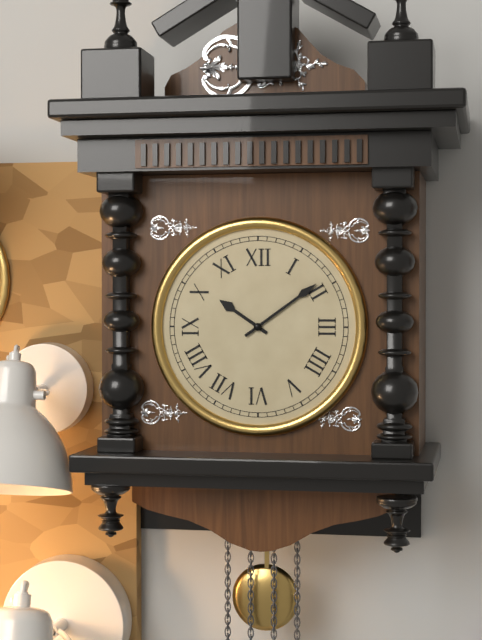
10:09
